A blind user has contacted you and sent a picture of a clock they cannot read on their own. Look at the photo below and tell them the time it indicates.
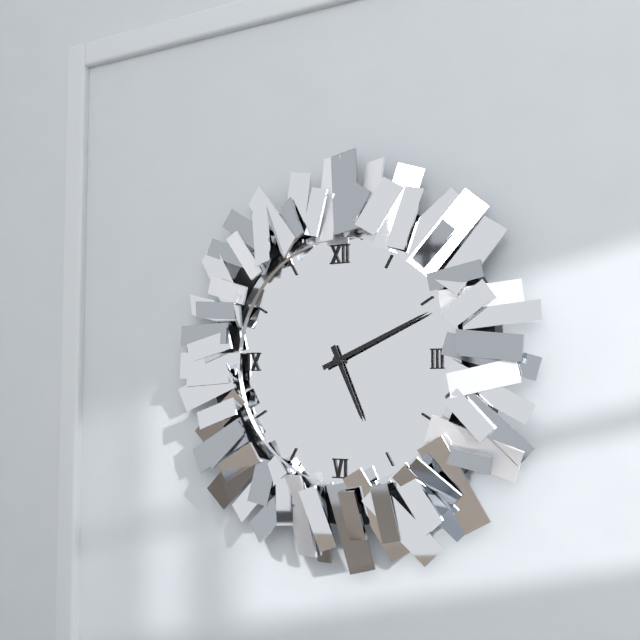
5:11
